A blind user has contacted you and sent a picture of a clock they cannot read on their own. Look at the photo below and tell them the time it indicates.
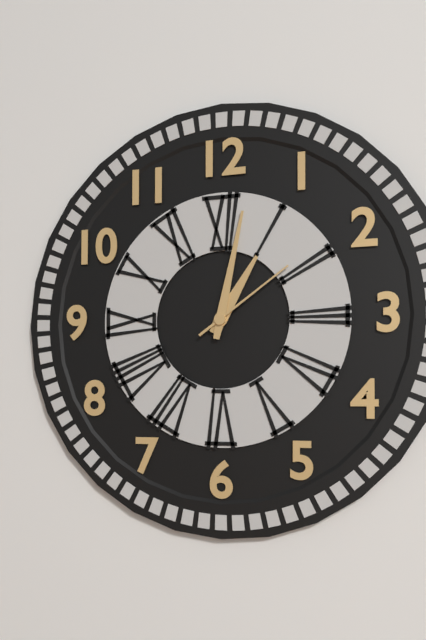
1:02:09
